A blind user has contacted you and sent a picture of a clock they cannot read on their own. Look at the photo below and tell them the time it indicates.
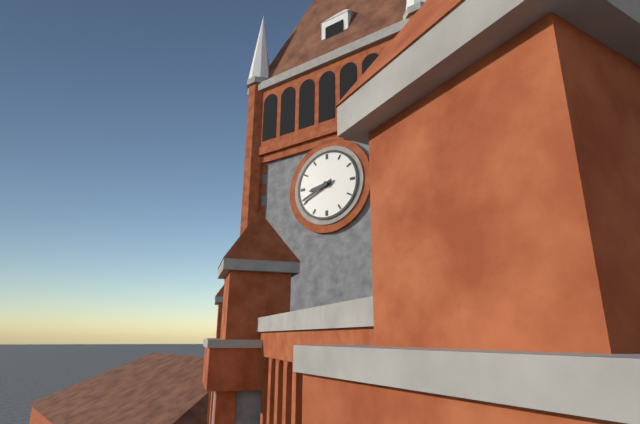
8:41
